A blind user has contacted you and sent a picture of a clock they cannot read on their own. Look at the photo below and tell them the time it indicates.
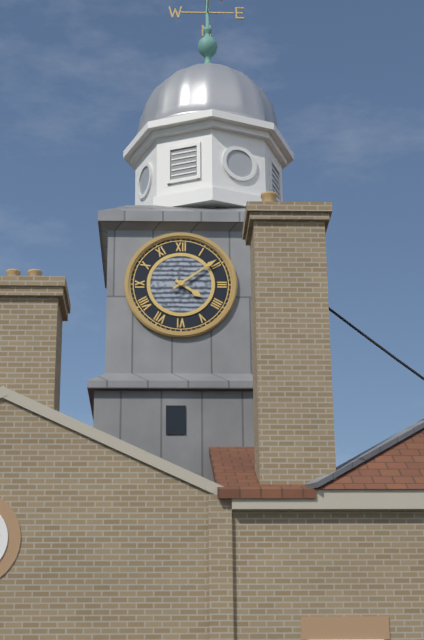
4:09
